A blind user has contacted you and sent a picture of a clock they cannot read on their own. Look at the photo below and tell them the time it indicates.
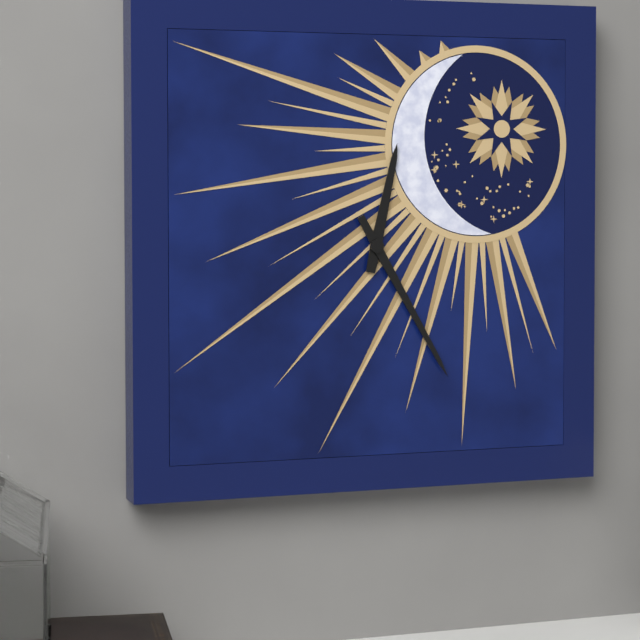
12:25
